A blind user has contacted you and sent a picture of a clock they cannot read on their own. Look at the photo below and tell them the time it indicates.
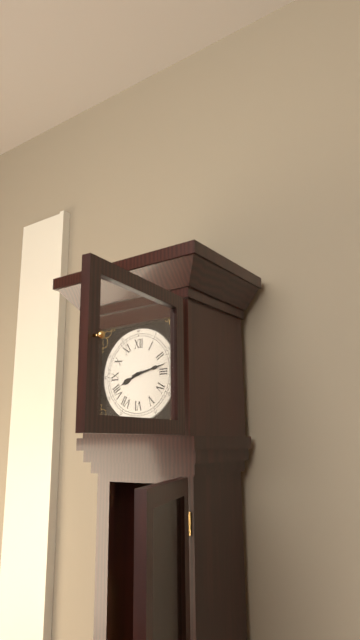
8:13
